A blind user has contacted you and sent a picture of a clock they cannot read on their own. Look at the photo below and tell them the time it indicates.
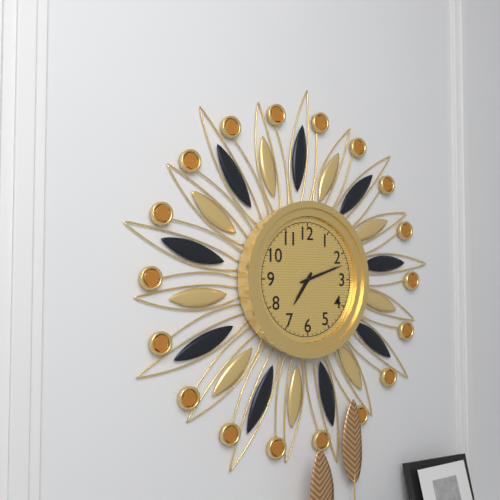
7:12
